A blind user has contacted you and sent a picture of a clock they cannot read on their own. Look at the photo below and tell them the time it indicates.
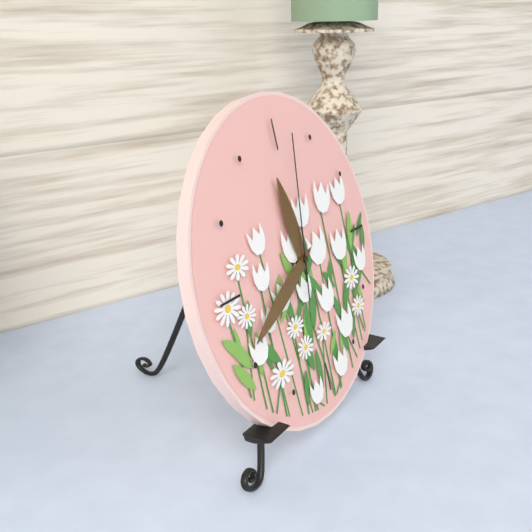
11:41:02
